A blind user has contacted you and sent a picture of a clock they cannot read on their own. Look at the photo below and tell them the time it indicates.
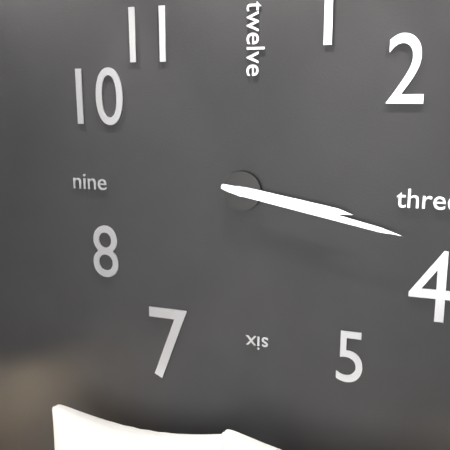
3:17
